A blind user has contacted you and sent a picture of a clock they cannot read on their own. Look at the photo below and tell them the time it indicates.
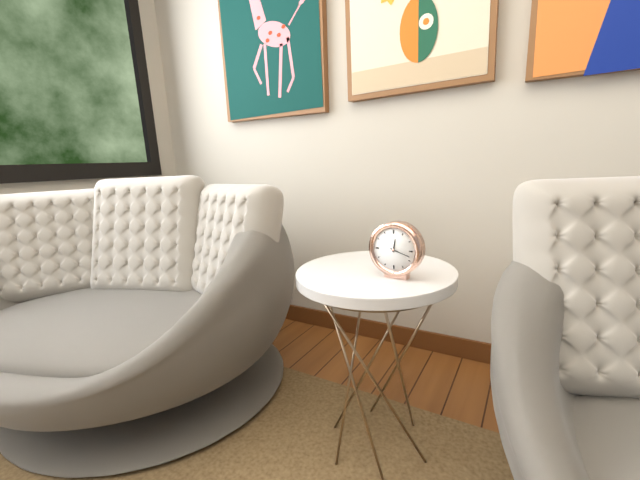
12:18
